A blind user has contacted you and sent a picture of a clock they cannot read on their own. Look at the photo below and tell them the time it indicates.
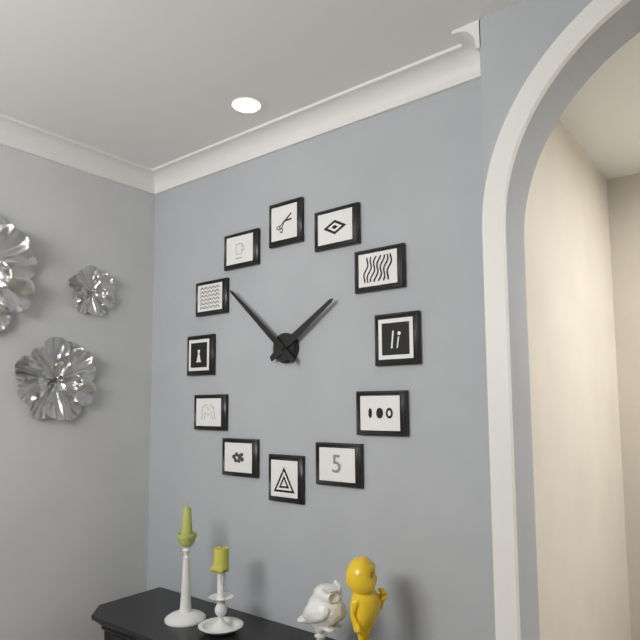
1:52
